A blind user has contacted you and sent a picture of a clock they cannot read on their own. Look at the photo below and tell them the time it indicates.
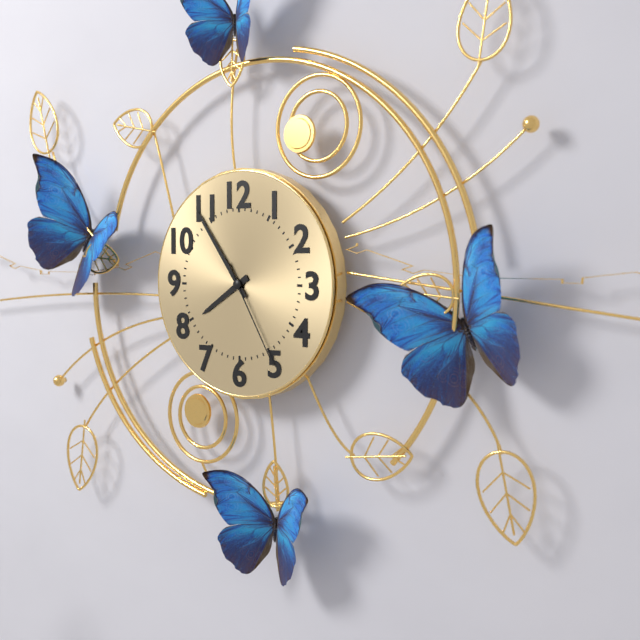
7:54:25
